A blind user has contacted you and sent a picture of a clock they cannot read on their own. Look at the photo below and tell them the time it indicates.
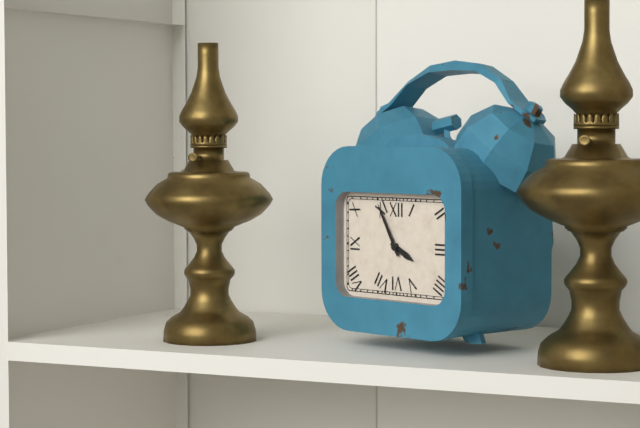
3:55
